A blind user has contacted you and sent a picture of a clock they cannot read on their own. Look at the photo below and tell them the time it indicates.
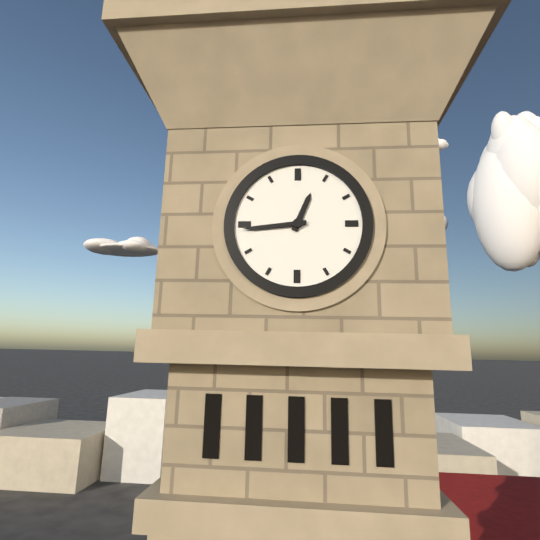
12:44
